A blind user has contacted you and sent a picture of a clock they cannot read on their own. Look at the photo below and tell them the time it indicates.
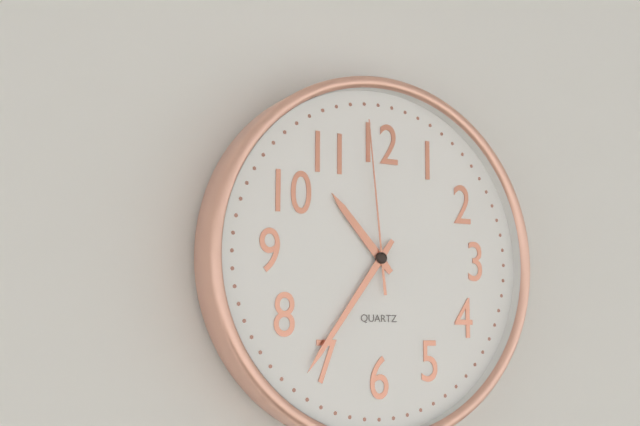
10:36:59
